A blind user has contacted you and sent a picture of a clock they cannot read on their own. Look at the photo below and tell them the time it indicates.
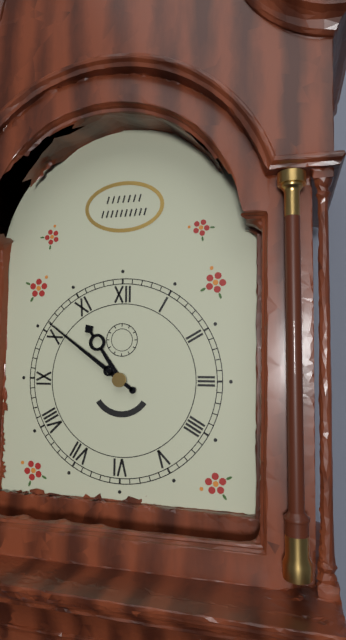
10:51
